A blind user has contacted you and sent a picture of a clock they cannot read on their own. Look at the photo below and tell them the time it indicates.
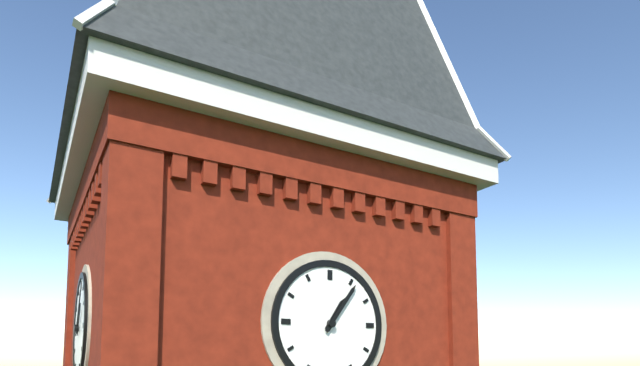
1:06
